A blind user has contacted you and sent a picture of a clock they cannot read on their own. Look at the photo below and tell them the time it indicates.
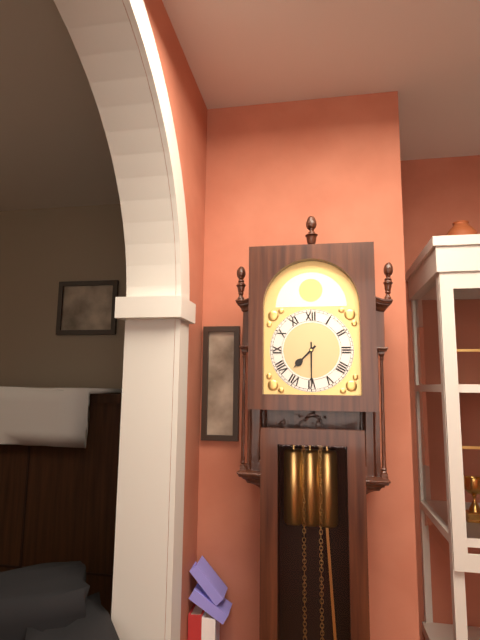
7:30
